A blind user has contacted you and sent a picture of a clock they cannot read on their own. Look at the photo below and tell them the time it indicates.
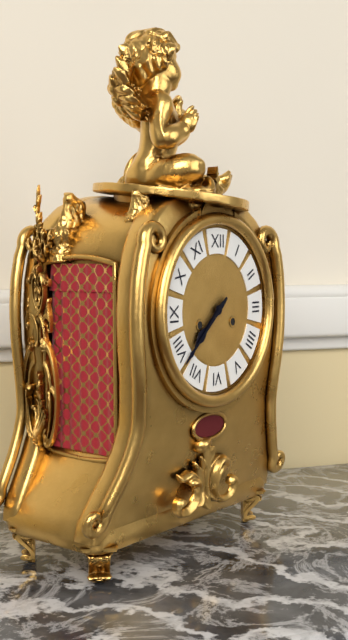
7:38
